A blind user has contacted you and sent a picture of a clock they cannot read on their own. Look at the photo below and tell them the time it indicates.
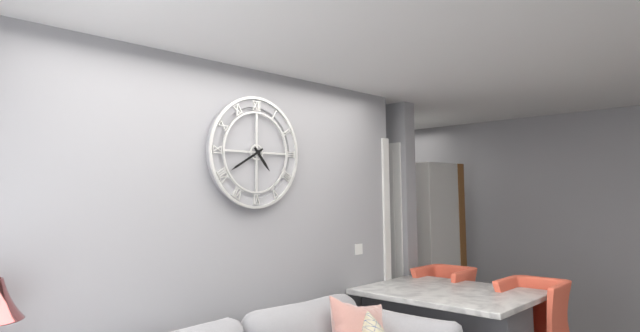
4:40
